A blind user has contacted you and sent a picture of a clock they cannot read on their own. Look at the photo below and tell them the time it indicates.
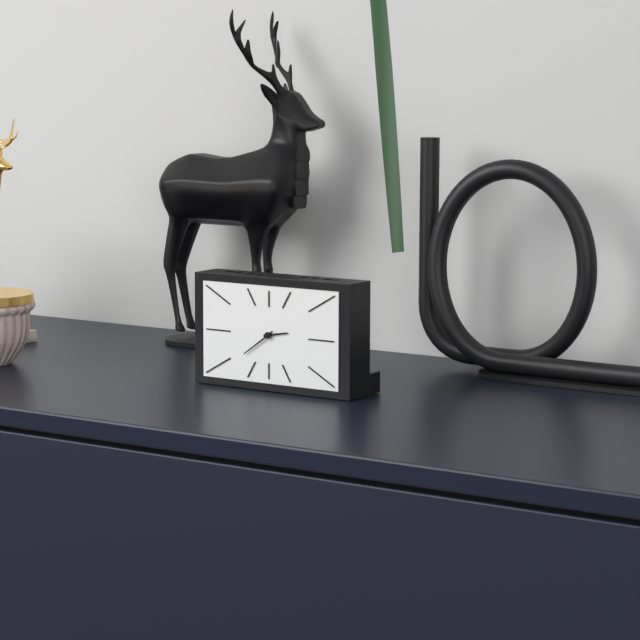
2:39
